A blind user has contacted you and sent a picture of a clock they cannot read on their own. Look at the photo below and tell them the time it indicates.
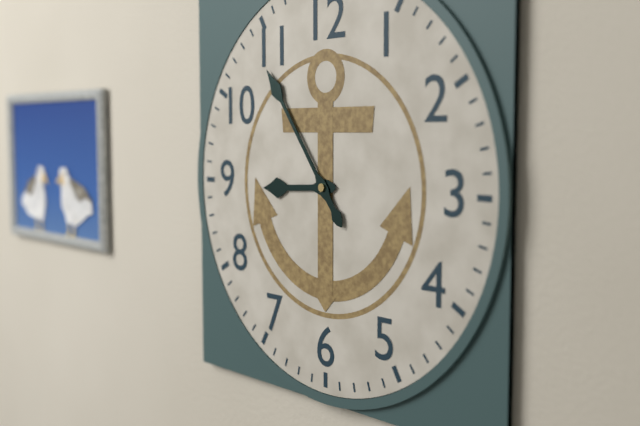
8:54
